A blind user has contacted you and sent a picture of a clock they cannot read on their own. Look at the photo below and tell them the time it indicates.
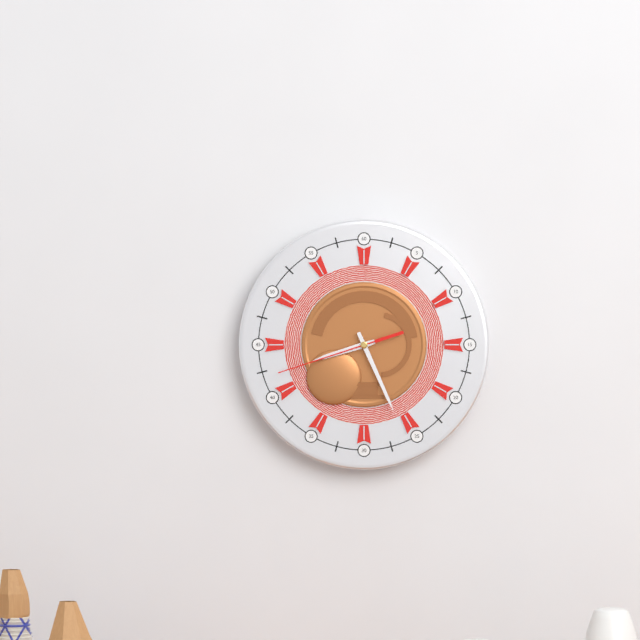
8:26:42
